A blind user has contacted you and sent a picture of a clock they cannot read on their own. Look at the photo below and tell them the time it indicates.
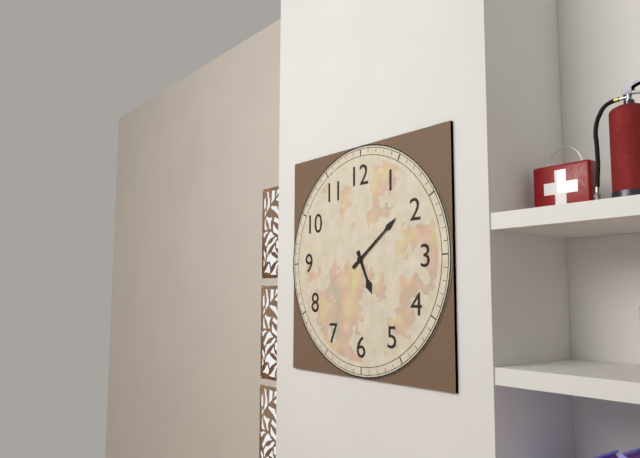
5:09
